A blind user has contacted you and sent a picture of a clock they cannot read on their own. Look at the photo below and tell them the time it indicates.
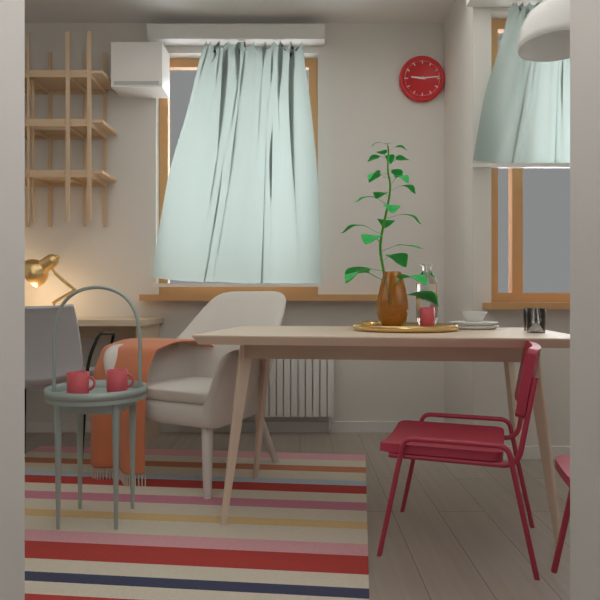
9:14
